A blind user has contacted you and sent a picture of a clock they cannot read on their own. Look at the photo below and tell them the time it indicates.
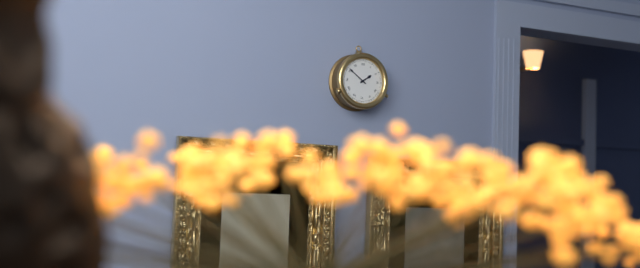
1:51
